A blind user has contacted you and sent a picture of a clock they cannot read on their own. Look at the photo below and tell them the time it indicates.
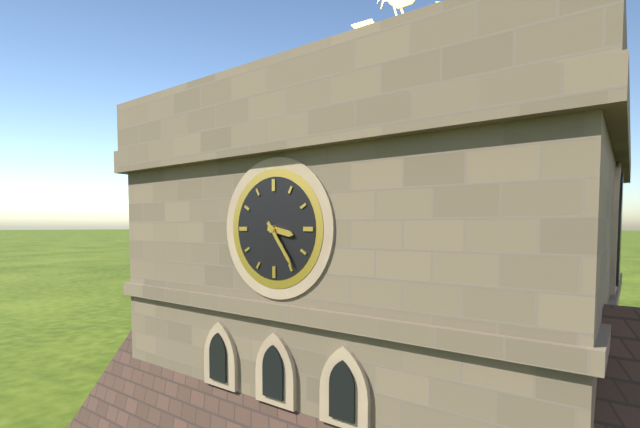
3:24
